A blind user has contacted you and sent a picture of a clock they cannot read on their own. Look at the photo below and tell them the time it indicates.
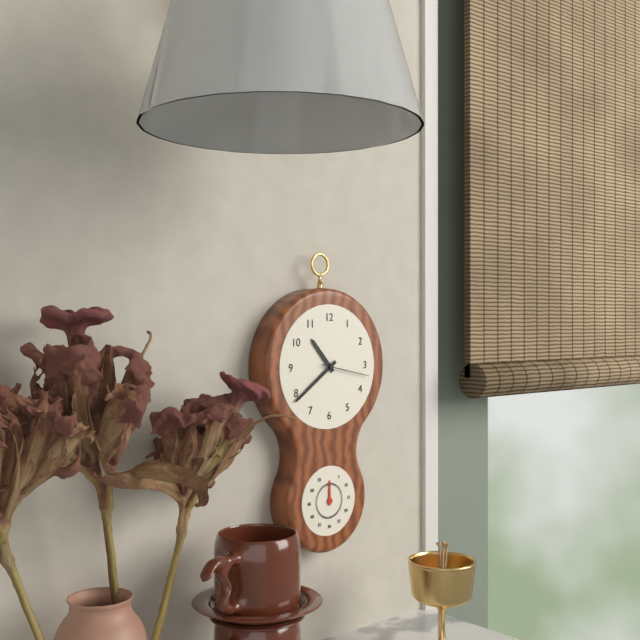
10:39
